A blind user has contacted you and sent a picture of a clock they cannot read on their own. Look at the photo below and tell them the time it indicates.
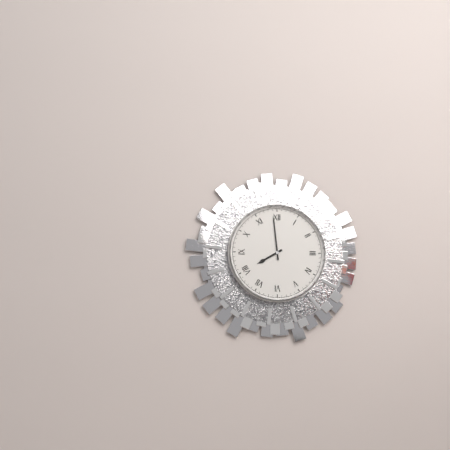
7:59
